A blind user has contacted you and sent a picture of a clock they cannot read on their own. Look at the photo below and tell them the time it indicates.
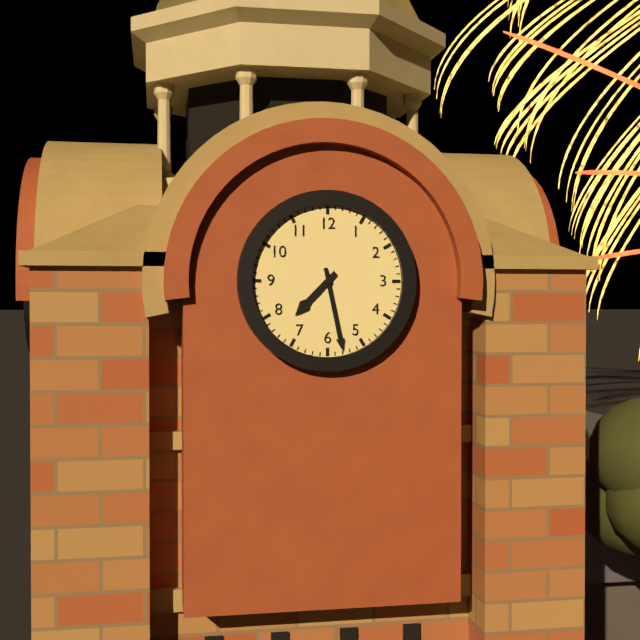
7:28
